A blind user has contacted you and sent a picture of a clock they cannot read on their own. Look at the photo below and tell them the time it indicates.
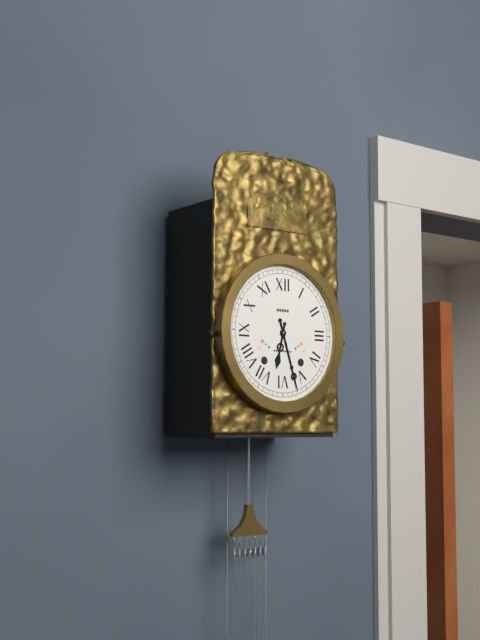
6:27
